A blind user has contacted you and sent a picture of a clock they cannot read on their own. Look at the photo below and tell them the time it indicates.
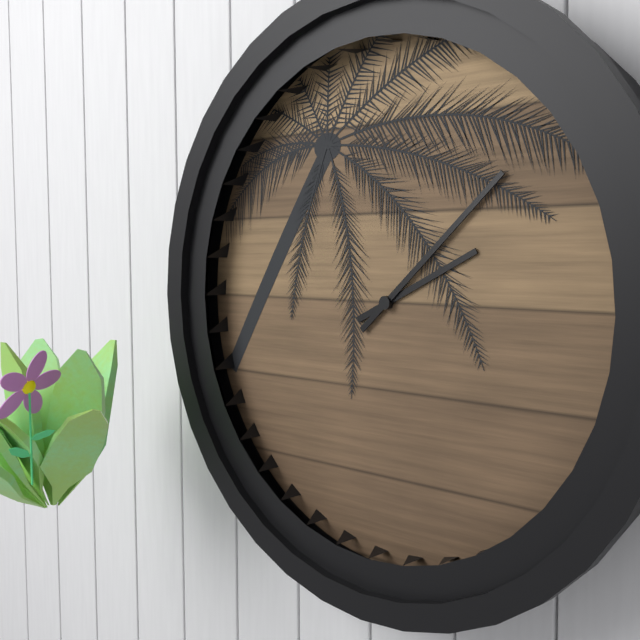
2:08
